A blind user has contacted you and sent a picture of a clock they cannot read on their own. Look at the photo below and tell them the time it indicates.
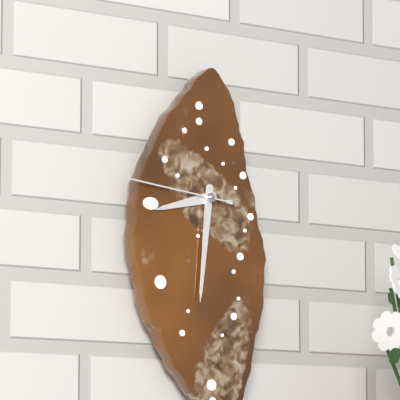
8:31:46
